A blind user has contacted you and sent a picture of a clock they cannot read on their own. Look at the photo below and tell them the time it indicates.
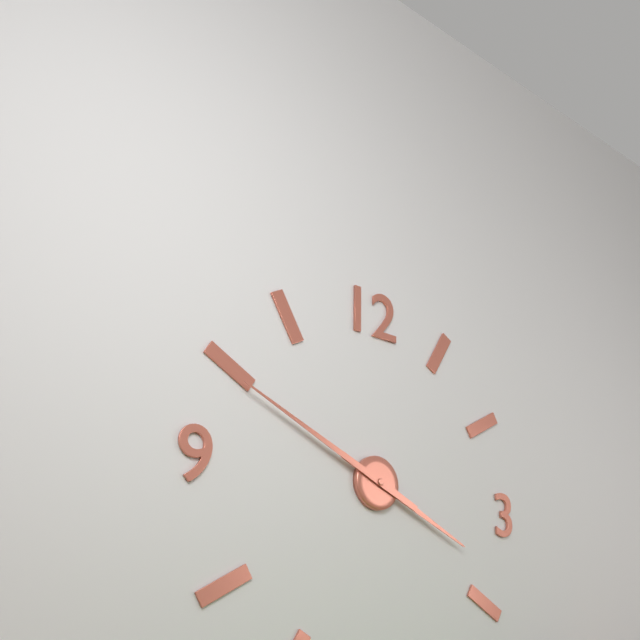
3:49
